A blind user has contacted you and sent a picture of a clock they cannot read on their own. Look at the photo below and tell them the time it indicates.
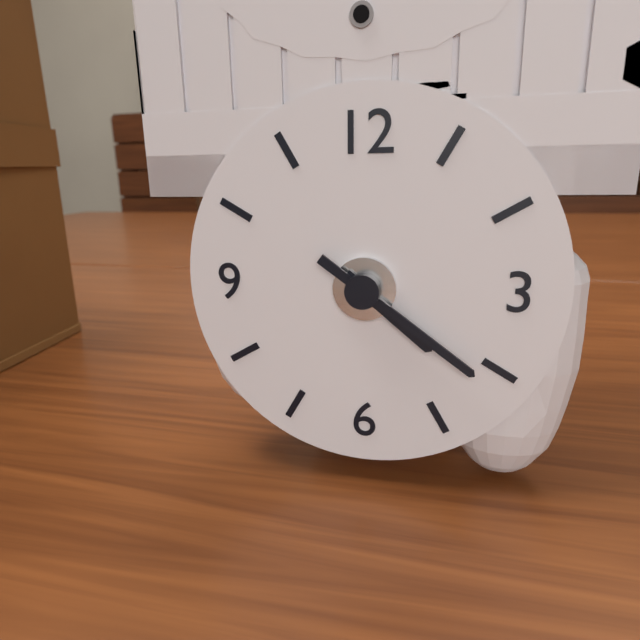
4:21
